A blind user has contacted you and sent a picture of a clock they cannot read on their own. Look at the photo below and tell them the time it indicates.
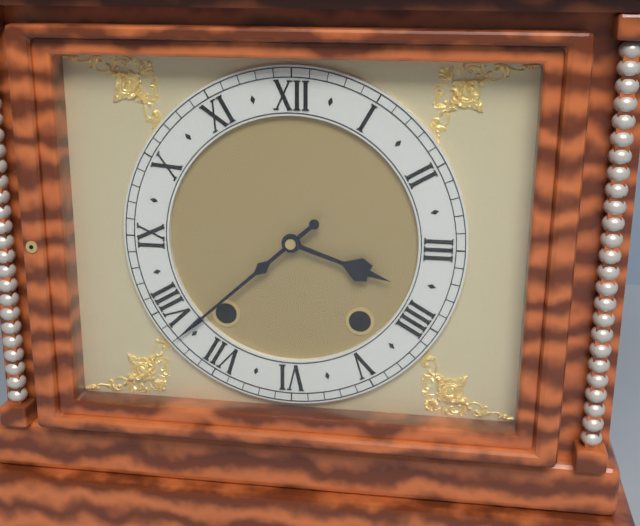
3:38
